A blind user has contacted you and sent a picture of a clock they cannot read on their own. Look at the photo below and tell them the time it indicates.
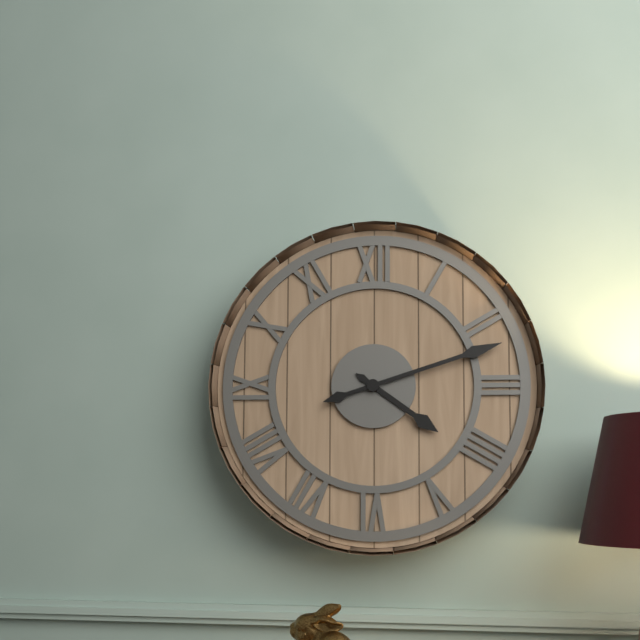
4:12
